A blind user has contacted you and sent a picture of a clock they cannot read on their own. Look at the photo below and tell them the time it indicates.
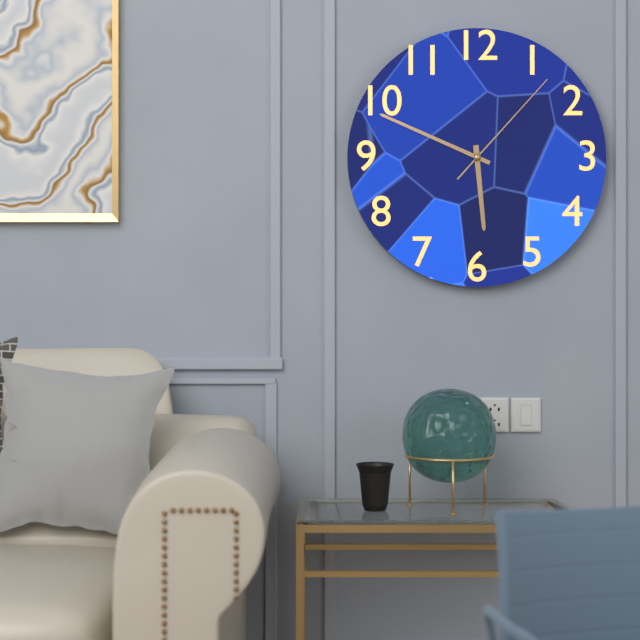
5:49:07
